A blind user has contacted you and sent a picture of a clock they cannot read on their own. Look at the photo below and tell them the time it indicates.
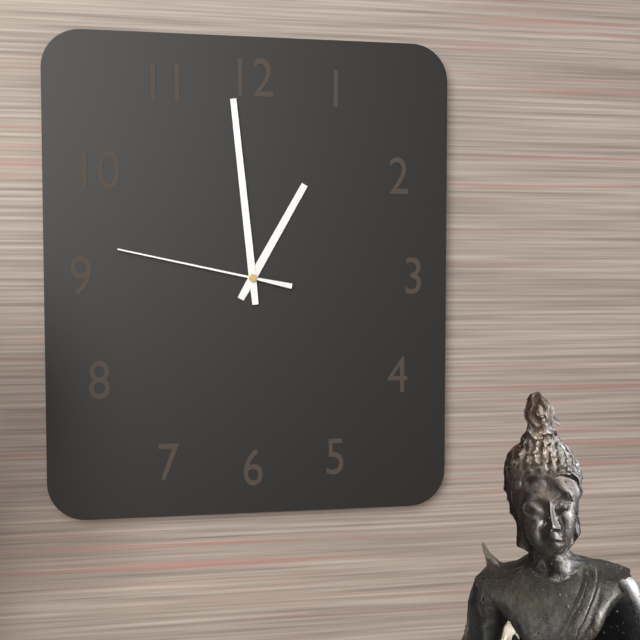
12:59:47
